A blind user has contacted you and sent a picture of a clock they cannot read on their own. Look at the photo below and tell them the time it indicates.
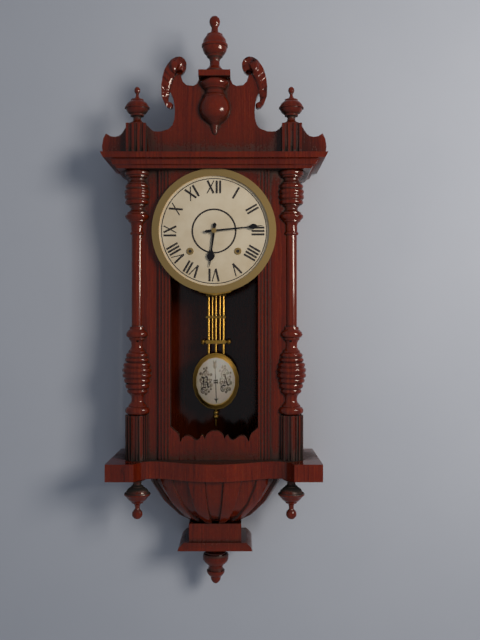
6:14
